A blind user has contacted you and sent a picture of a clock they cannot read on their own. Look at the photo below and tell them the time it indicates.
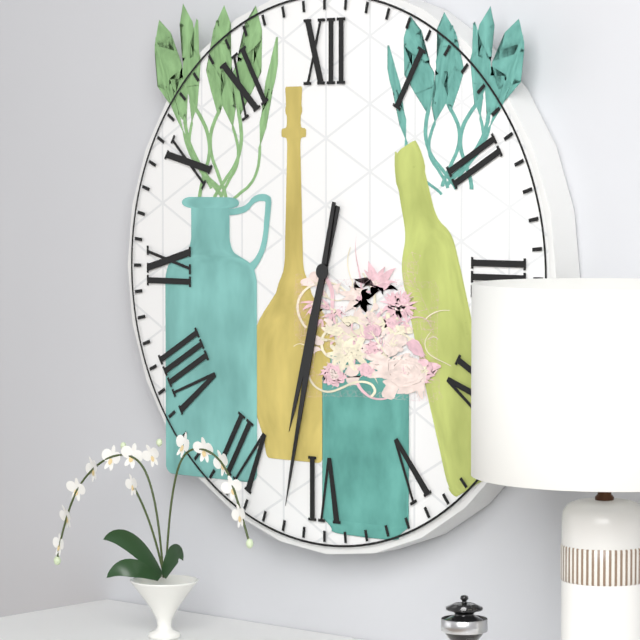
6:32
